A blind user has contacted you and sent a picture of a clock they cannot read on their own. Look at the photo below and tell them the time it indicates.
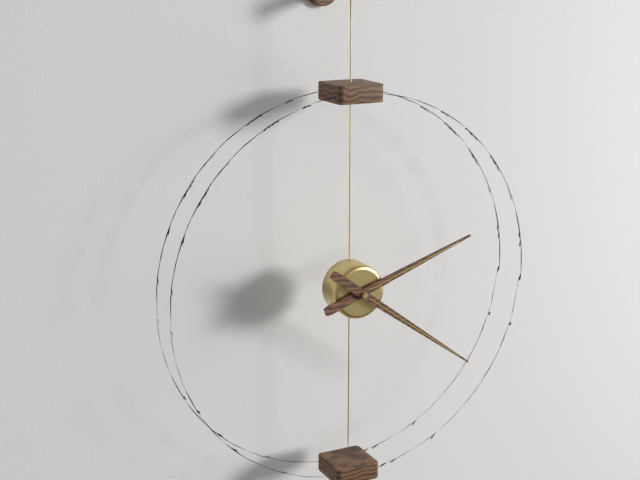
2:21
